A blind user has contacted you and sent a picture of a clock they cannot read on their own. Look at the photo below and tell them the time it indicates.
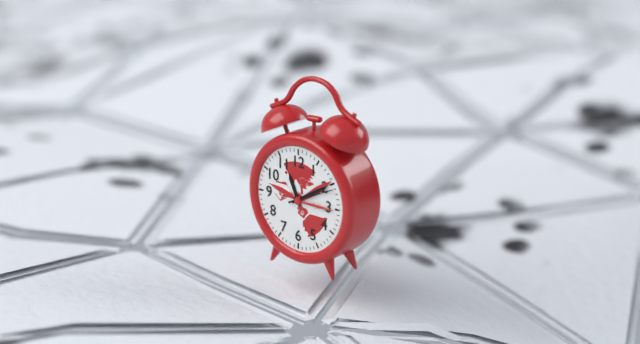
11:10
